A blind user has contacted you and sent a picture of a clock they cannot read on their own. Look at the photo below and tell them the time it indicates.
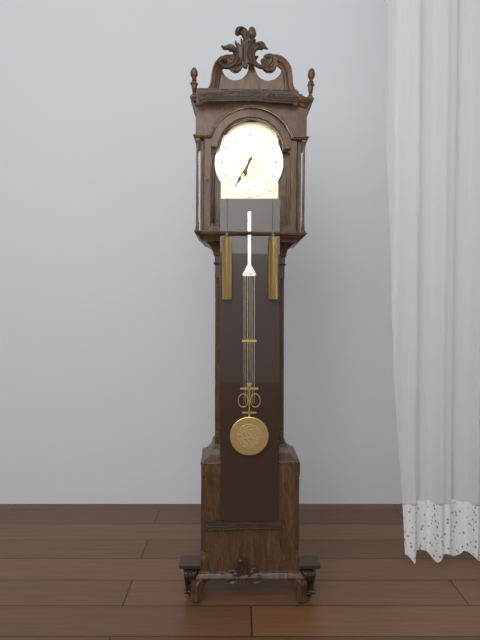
6:35
